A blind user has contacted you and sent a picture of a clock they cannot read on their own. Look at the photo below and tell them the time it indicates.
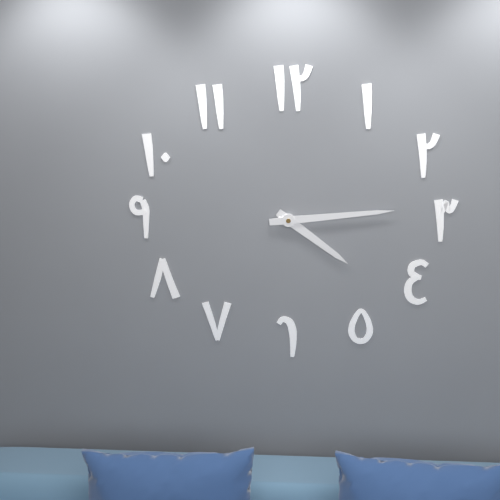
4:14
